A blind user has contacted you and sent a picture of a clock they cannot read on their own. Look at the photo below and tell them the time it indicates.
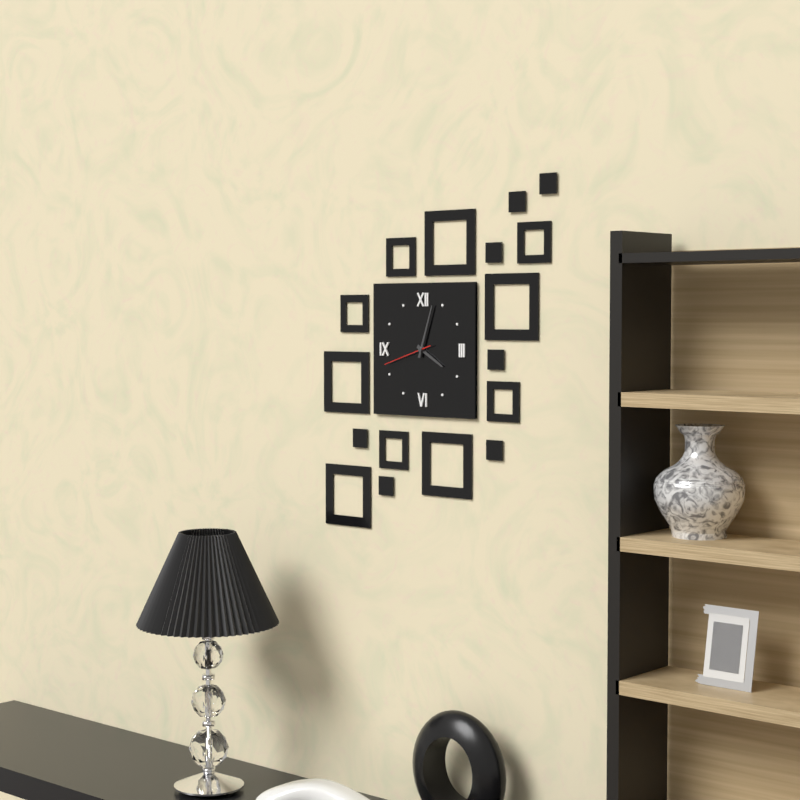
4:03
